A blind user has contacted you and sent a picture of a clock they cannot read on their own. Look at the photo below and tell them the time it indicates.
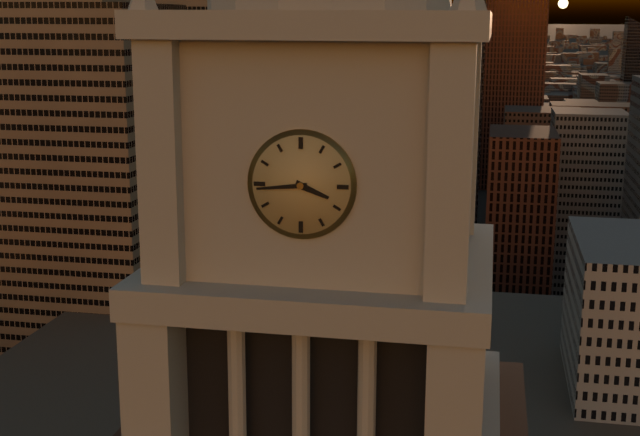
3:44
